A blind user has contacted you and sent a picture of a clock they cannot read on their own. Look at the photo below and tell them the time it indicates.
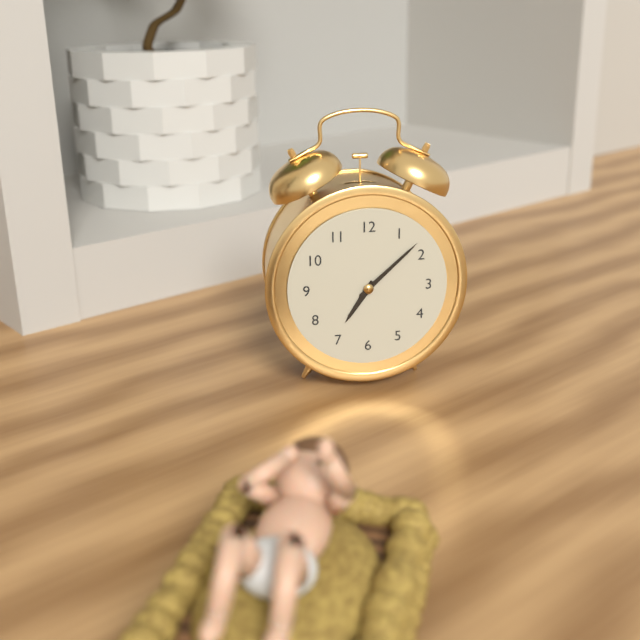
7:08
